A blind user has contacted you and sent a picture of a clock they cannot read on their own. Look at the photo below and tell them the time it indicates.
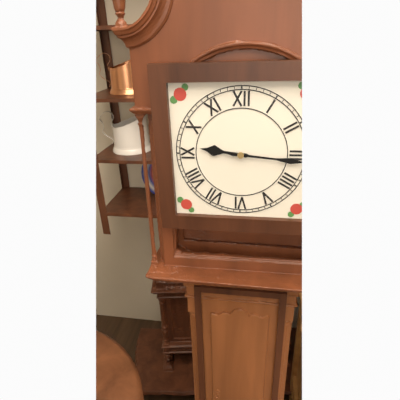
9:16
